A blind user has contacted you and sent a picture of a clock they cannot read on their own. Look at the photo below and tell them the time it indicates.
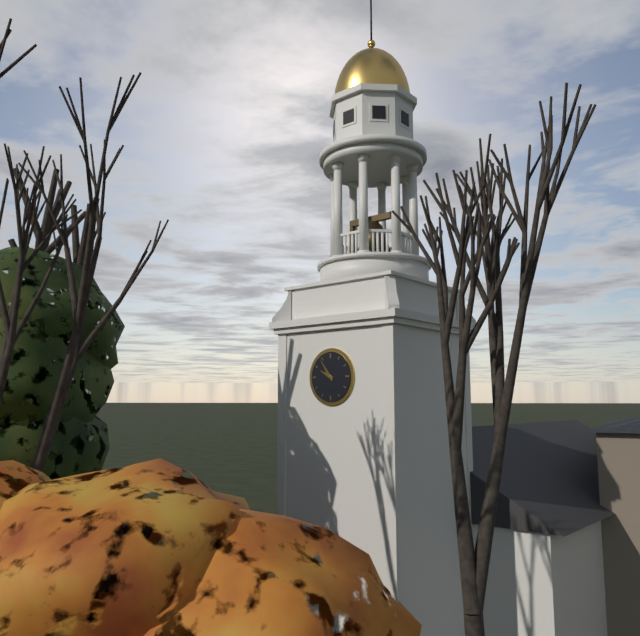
9:54
